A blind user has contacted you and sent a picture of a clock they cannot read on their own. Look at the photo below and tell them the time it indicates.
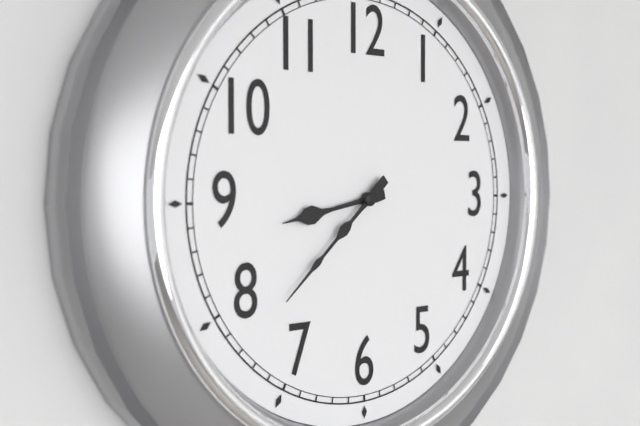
8:38
